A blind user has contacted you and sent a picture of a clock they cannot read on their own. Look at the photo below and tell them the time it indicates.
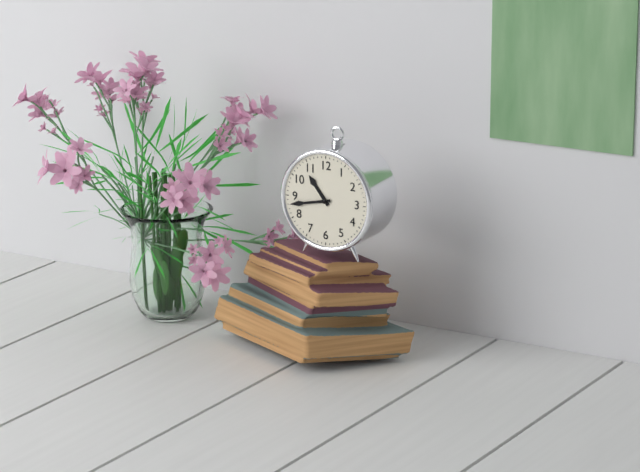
10:43
